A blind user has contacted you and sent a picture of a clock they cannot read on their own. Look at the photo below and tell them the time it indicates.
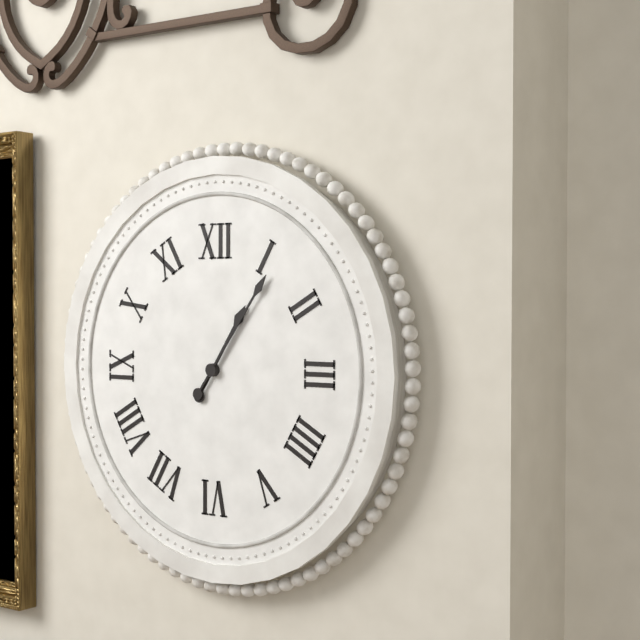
1:06
